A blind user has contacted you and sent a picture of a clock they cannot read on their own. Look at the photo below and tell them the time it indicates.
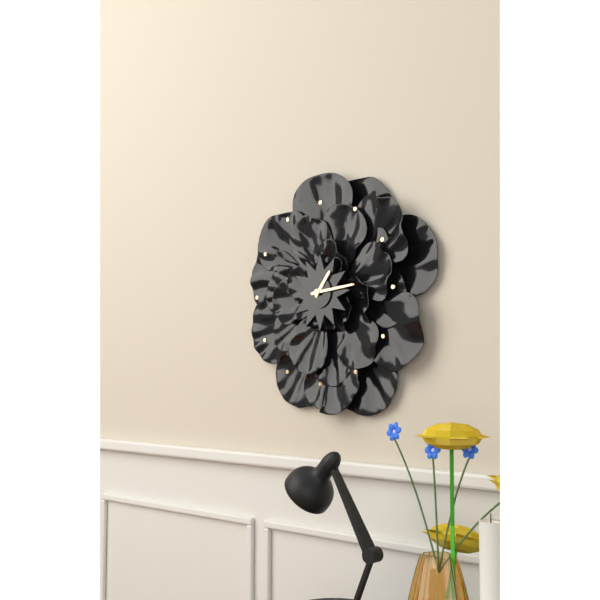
1:14
